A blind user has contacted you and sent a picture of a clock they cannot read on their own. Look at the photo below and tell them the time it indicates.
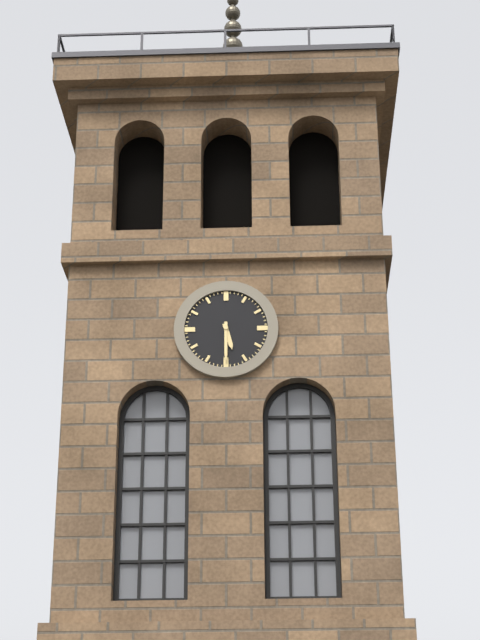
5:30
